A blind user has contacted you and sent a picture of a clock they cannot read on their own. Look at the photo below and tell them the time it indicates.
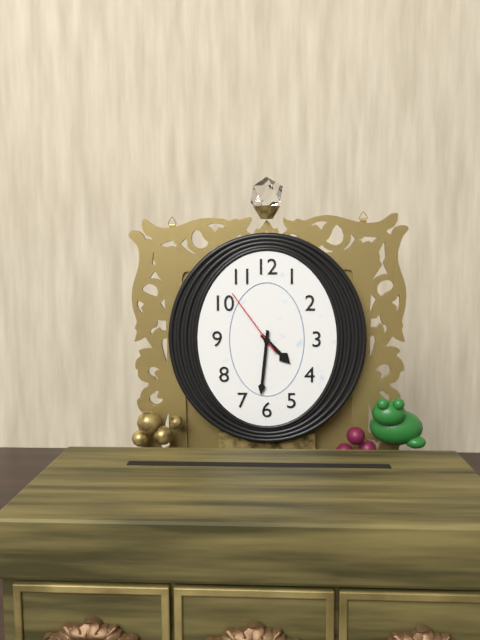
4:31:54
